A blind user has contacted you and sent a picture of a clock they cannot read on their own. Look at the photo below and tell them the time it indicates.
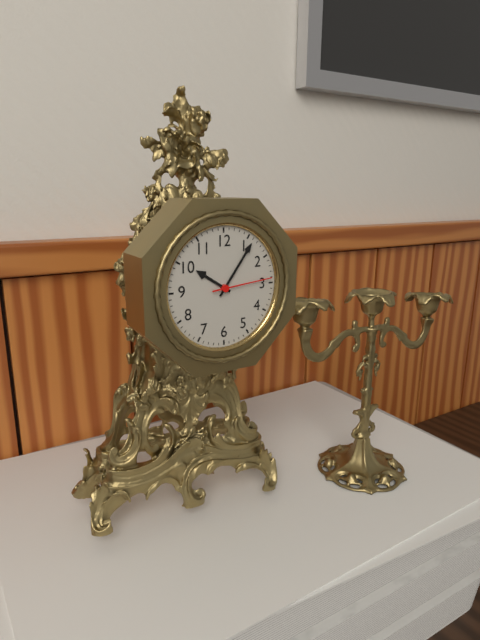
10:06:14
